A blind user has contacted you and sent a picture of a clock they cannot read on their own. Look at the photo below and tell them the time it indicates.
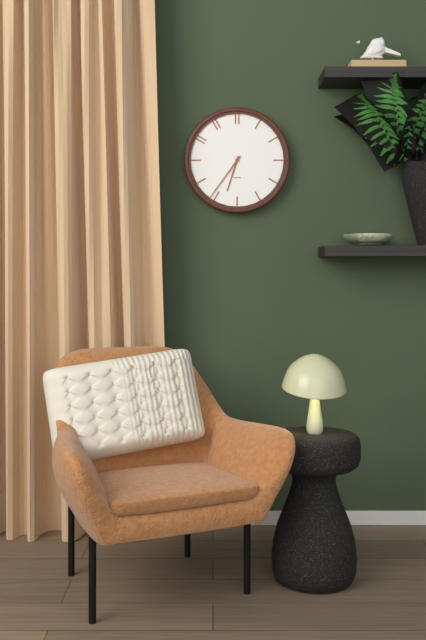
6:36
